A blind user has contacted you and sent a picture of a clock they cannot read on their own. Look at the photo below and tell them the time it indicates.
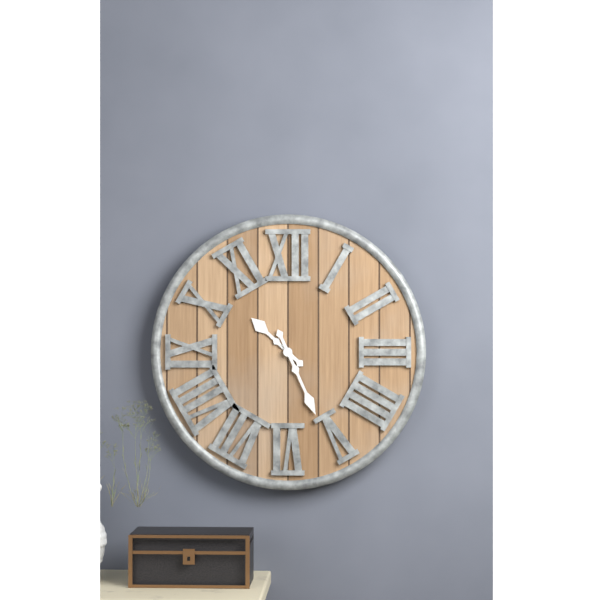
10:26
